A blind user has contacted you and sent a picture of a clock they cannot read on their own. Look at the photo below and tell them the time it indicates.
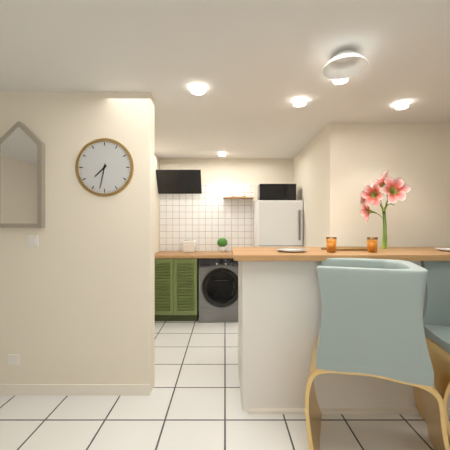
7:32
